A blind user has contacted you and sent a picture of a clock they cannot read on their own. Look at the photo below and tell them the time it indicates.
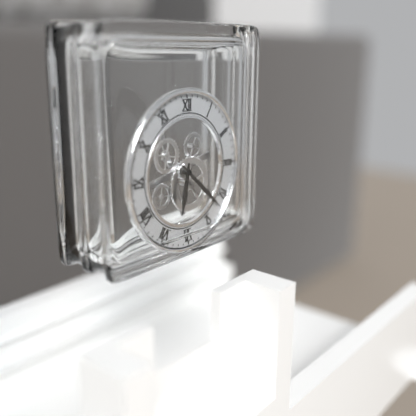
6:22
